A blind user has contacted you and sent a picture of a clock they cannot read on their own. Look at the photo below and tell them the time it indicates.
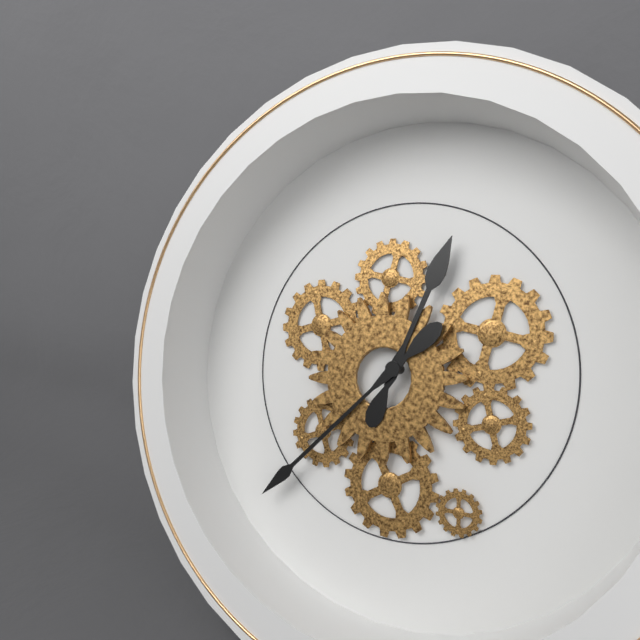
12:37
